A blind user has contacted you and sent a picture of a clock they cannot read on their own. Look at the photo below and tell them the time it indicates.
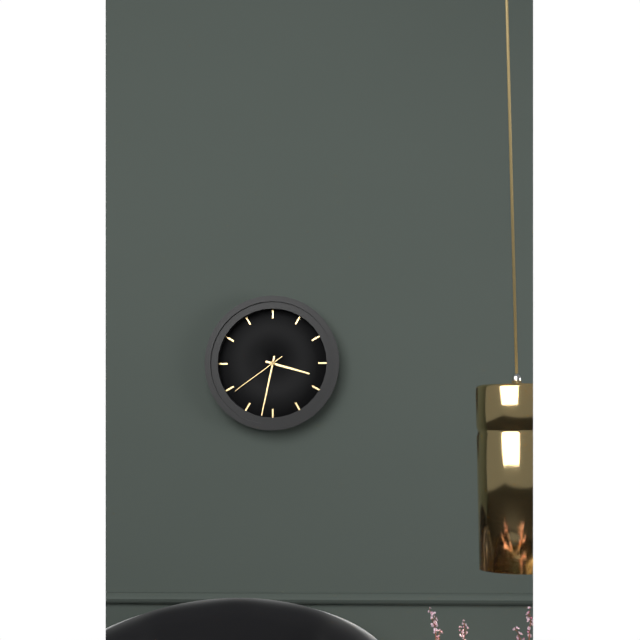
3:32:39
